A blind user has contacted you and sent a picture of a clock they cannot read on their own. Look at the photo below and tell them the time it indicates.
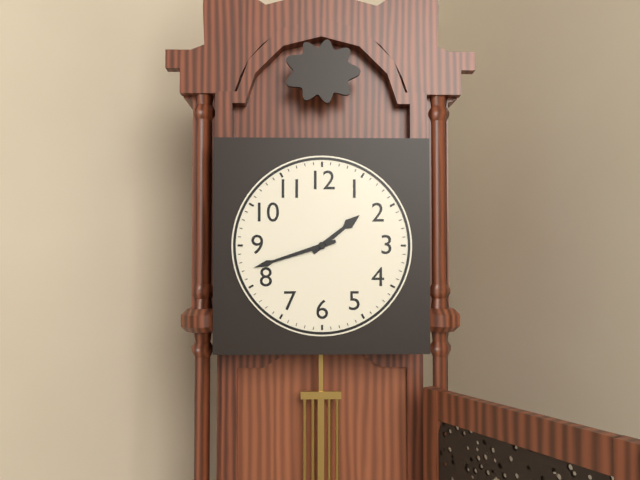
1:42
